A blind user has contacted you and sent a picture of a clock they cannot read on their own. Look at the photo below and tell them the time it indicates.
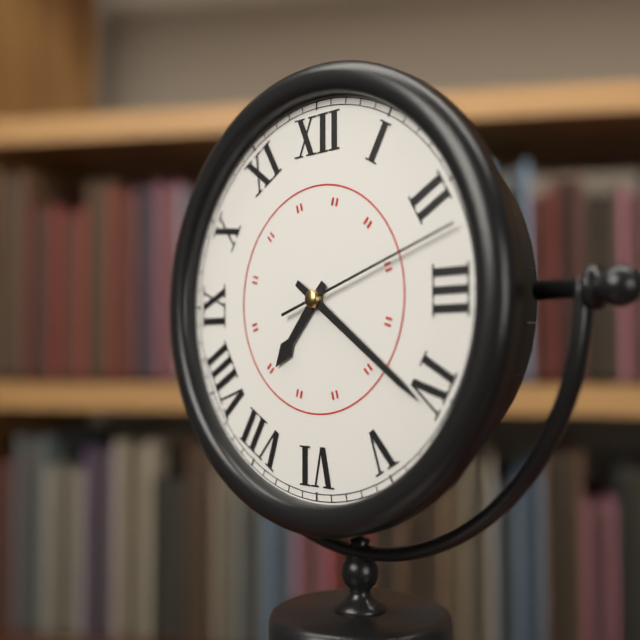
7:21:12
